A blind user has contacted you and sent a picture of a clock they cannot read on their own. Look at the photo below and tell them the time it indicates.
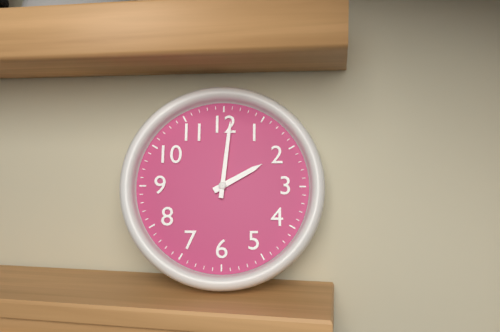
2:01
